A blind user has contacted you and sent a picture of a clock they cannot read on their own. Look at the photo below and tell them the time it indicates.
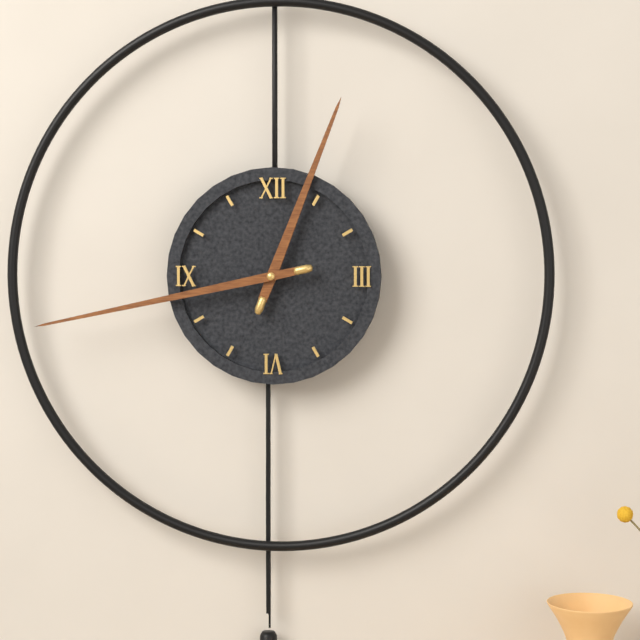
12:43
